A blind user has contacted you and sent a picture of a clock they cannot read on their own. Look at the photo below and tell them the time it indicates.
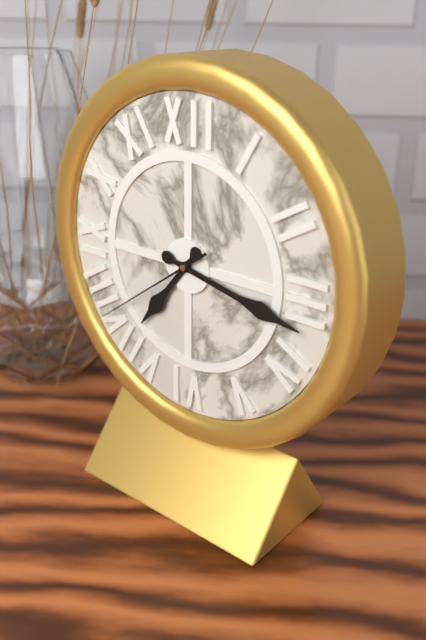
7:17:39
